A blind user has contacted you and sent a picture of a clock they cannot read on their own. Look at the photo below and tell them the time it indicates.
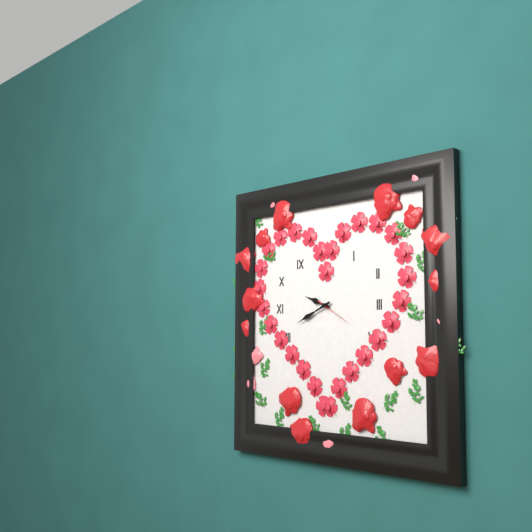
9:41
